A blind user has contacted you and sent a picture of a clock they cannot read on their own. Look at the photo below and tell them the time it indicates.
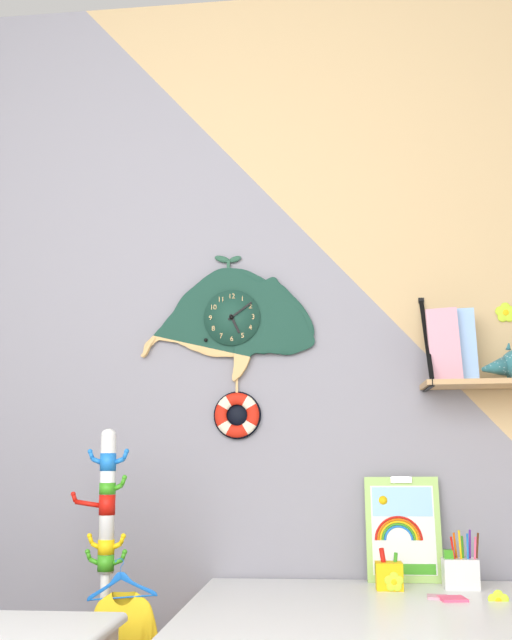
5:09
